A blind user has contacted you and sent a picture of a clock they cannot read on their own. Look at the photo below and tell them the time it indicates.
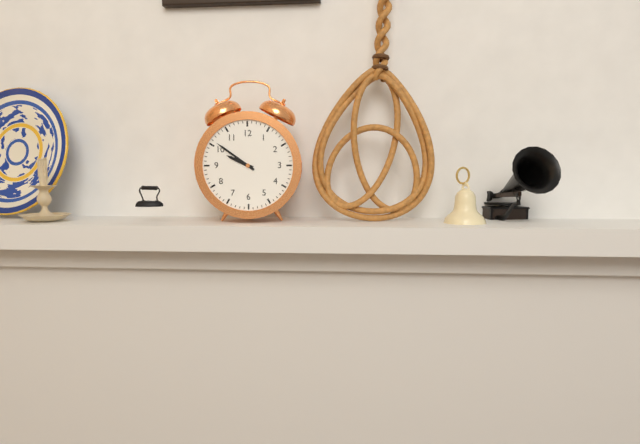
9:51
